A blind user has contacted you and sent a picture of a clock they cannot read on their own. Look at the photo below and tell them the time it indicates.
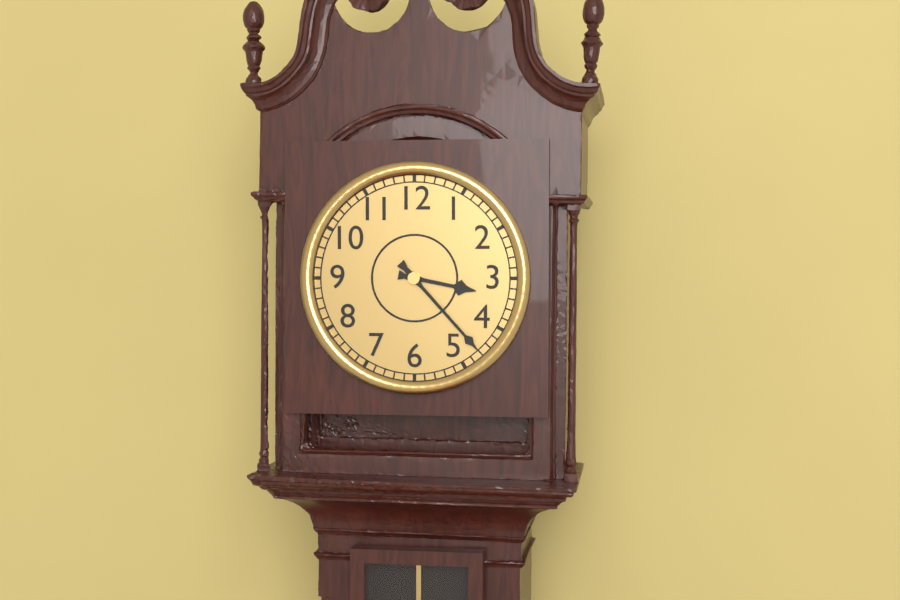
3:23
